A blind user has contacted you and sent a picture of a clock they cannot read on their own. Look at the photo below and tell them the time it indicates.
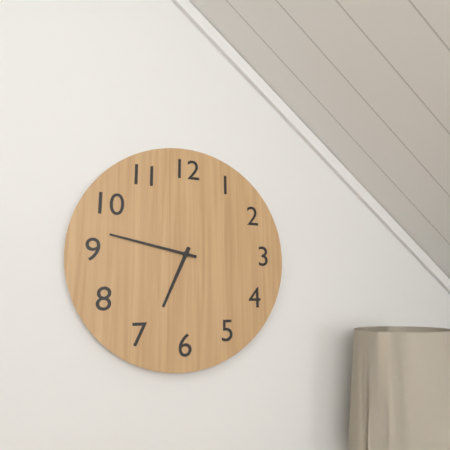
6:47
